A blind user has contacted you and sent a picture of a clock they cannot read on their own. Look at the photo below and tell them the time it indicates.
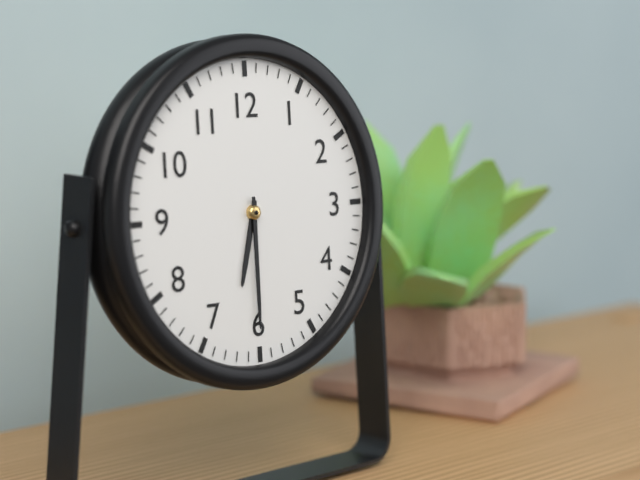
6:30
